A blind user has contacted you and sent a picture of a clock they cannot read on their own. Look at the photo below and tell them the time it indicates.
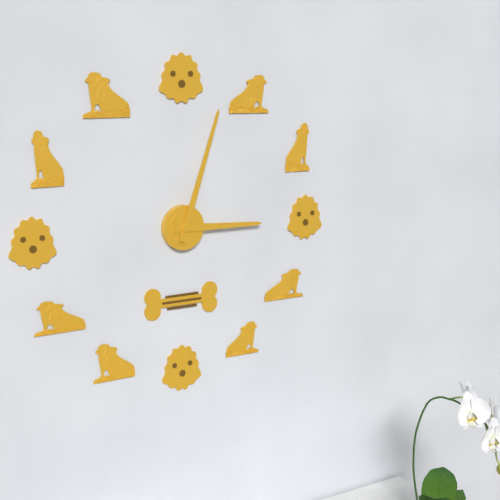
3:03
